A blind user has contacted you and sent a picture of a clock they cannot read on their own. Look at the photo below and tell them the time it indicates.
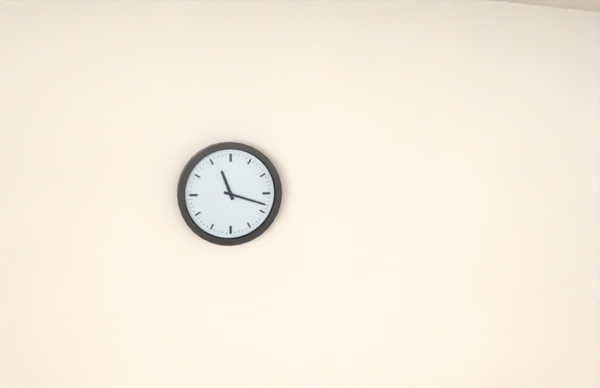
11:18
